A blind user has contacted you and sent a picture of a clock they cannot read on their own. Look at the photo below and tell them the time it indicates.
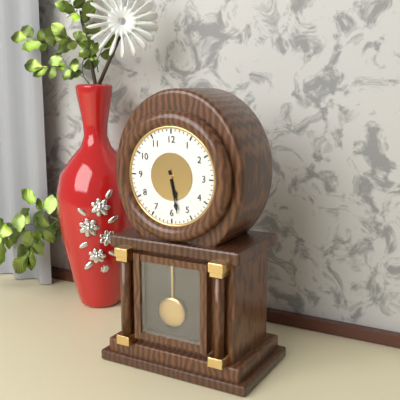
5:28
